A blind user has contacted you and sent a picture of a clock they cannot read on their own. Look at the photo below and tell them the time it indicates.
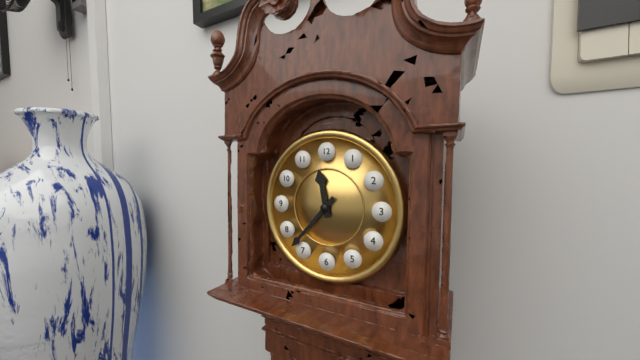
11:37
